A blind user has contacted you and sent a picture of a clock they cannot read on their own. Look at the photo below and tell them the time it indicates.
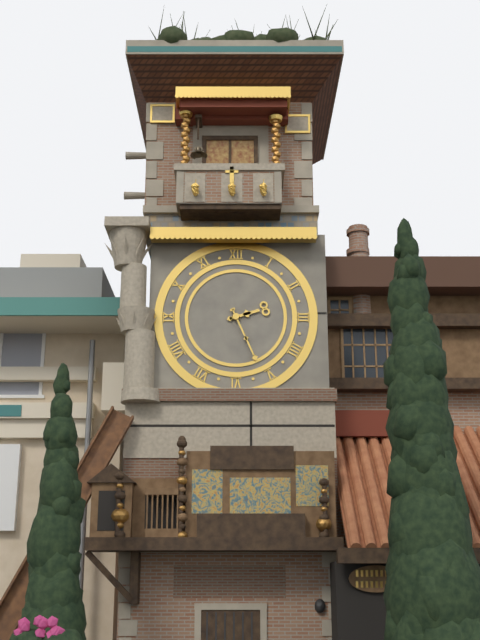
2:26
